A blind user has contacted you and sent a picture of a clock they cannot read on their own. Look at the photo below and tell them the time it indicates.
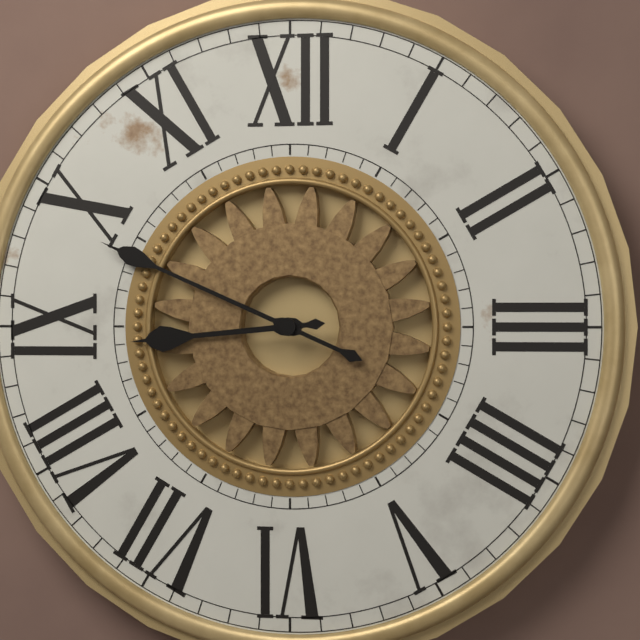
8:49
